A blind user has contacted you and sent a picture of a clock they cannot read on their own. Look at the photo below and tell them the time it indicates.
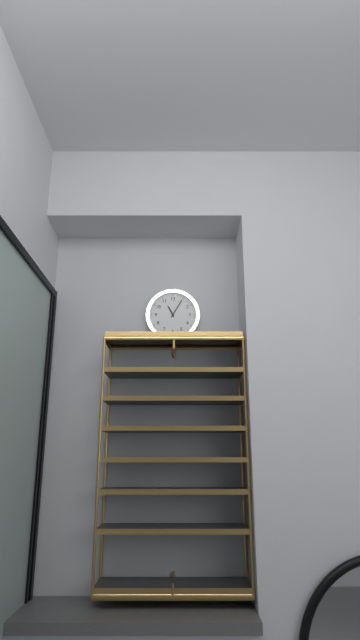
11:05
